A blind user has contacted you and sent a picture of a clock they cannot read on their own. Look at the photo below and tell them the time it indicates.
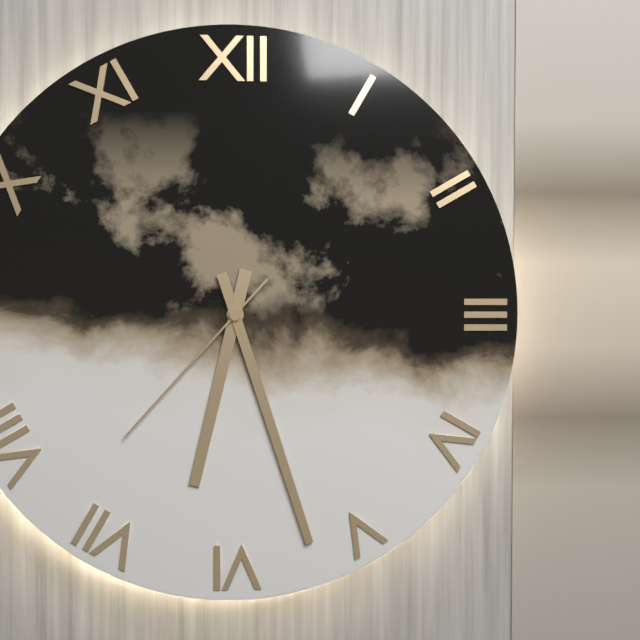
6:27:37
